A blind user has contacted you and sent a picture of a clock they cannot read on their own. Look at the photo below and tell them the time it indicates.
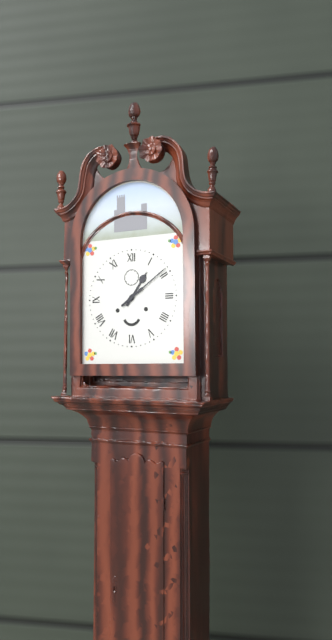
1:09
